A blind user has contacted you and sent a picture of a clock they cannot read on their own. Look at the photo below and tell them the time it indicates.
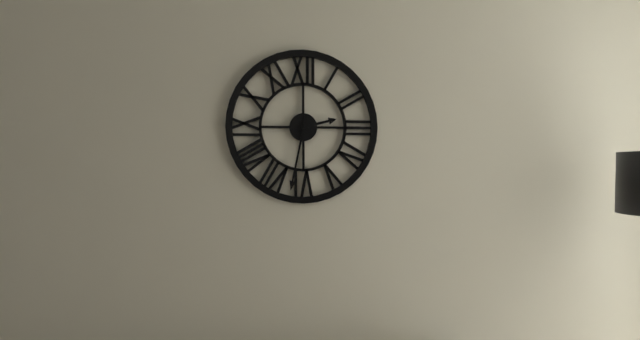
2:32
